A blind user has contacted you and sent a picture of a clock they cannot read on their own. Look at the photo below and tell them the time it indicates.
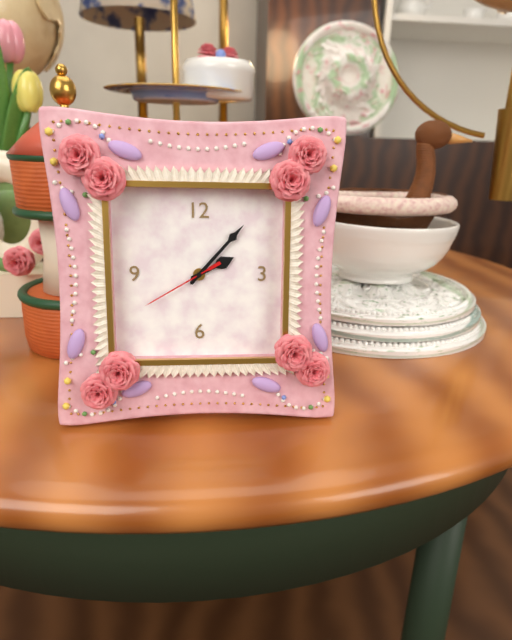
2:07:40
